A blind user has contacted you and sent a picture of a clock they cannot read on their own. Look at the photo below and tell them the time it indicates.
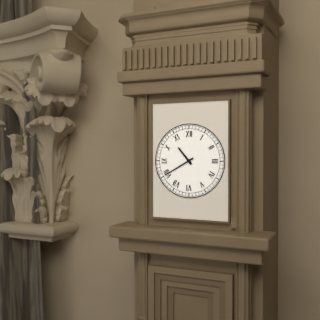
10:40
